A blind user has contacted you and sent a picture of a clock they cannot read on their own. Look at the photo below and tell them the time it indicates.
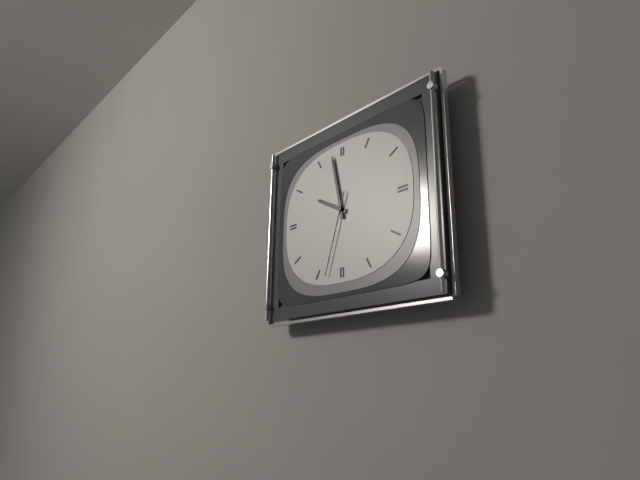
9:58:33
